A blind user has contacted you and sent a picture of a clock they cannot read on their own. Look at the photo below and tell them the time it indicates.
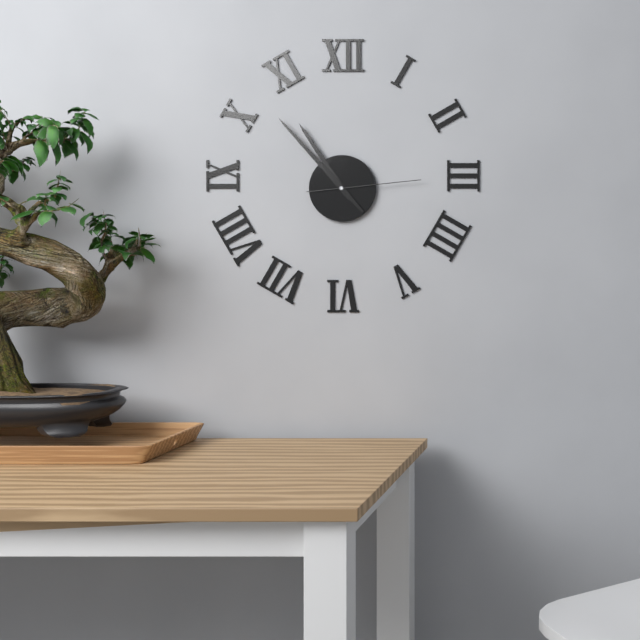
10:53:14
